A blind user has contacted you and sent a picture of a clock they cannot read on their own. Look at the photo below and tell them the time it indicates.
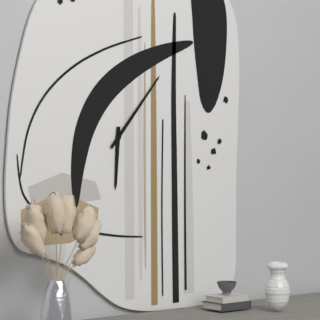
6:07
